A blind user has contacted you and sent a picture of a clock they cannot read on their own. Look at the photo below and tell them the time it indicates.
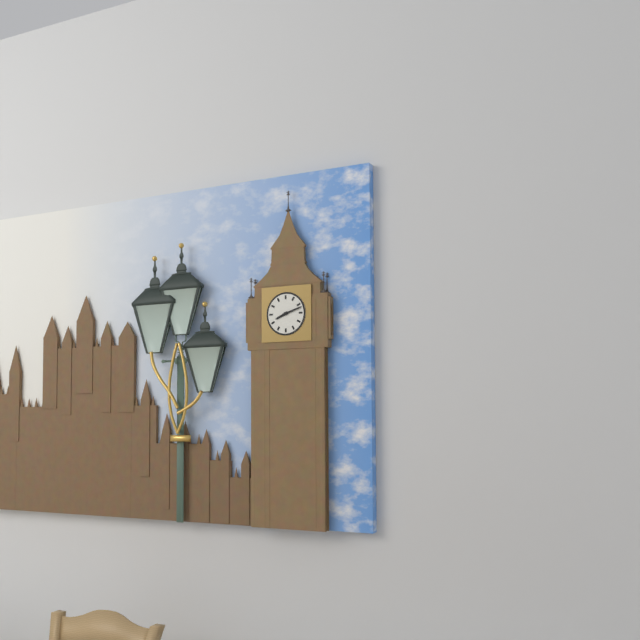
8:12
